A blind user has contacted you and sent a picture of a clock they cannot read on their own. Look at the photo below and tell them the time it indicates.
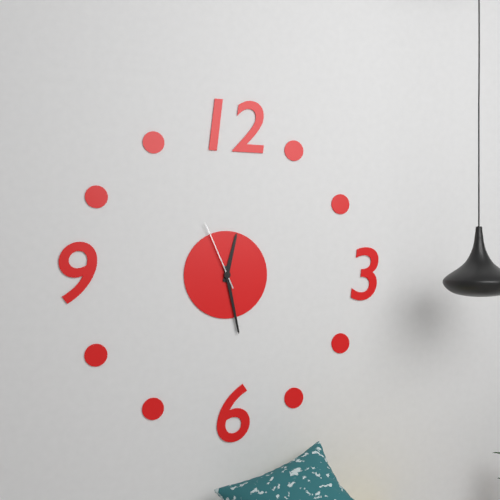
12:28:56
